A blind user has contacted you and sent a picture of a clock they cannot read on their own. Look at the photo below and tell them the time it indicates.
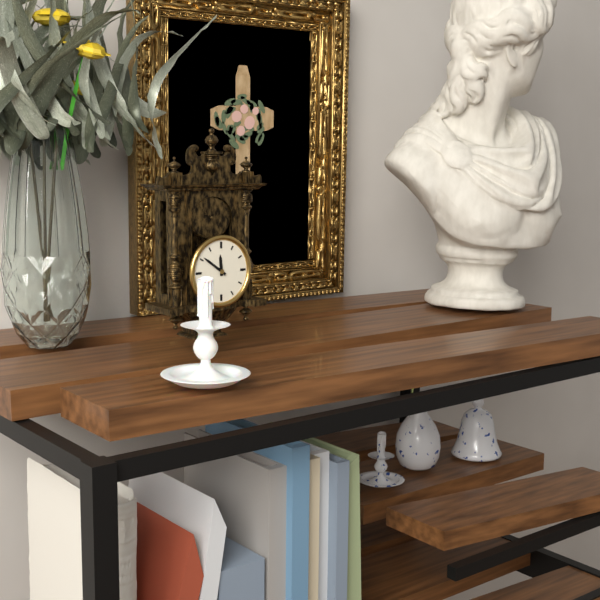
11:51
